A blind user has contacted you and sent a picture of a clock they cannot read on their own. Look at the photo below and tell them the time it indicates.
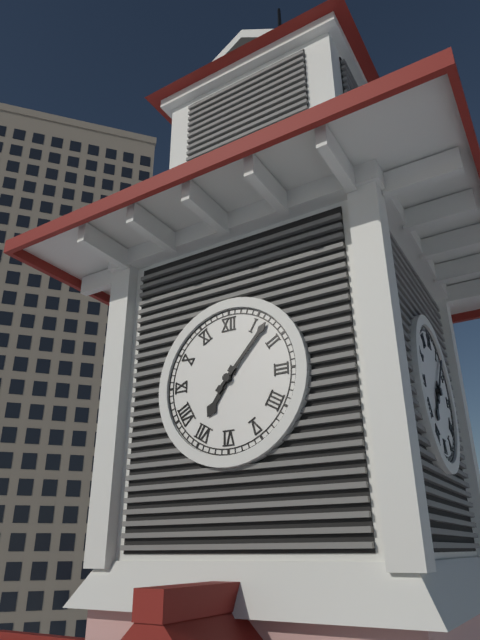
7:07
